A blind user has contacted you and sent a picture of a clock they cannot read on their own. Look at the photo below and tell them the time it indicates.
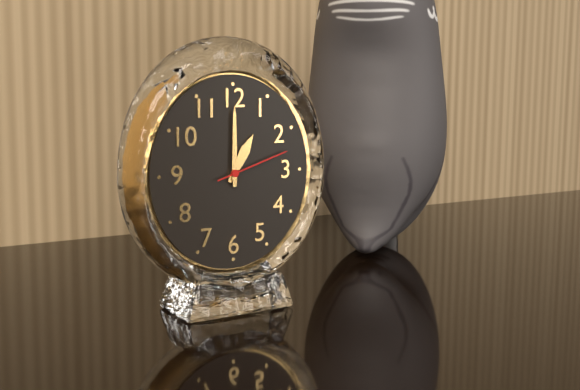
1:00:12
